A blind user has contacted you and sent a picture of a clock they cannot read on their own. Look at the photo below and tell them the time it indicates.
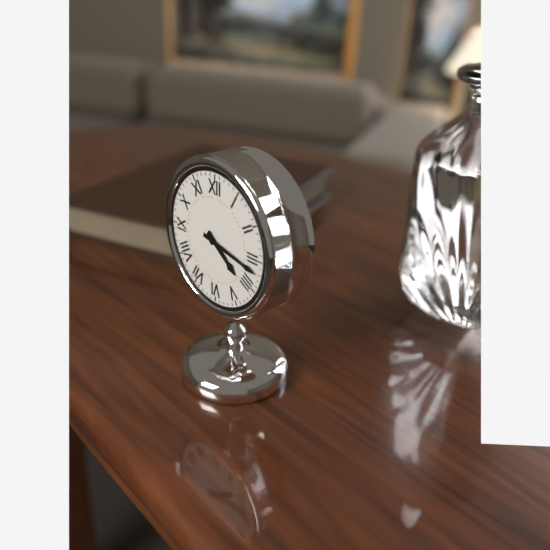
4:17
